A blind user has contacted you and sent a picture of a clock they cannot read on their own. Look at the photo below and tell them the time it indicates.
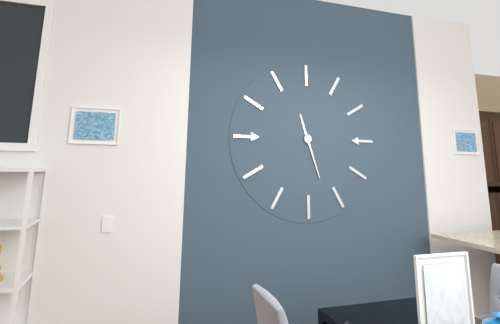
11:27
